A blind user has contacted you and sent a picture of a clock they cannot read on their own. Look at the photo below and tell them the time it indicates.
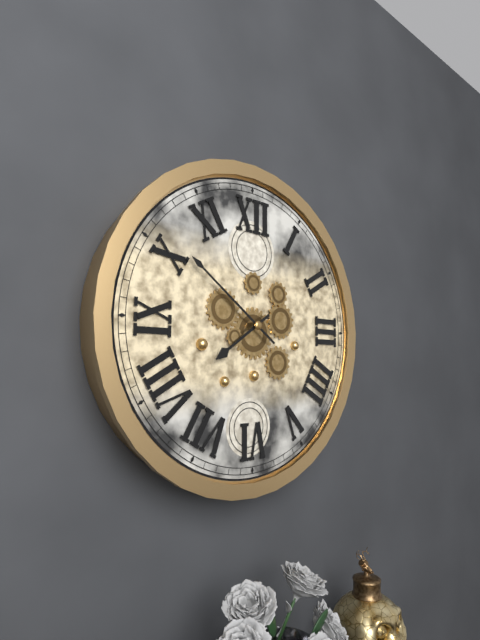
7:51
